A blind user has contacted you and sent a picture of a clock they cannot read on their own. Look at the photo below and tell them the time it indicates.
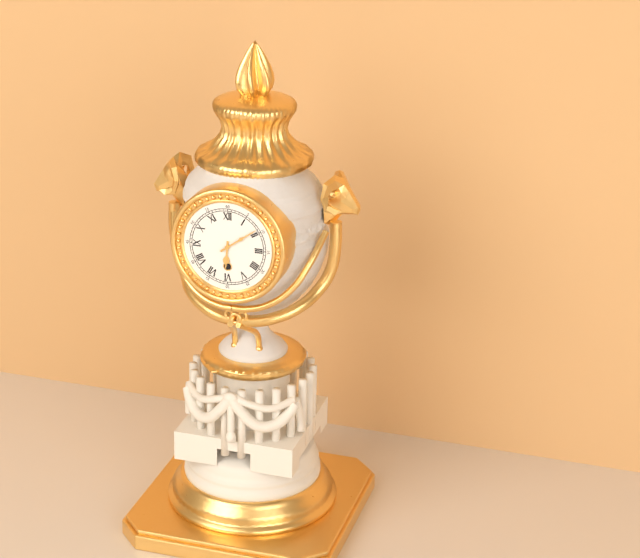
6:09
